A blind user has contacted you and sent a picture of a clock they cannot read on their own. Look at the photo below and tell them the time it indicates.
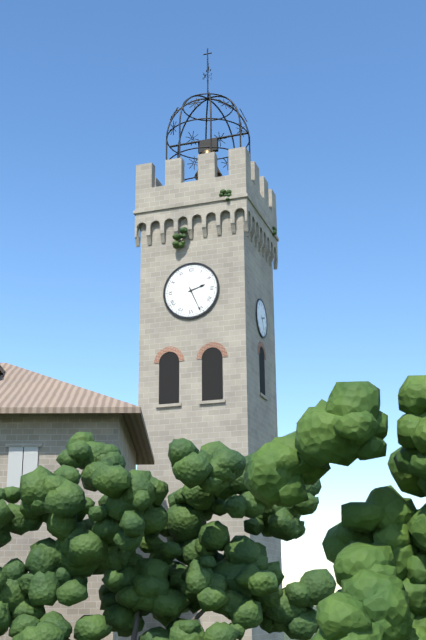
2:26
